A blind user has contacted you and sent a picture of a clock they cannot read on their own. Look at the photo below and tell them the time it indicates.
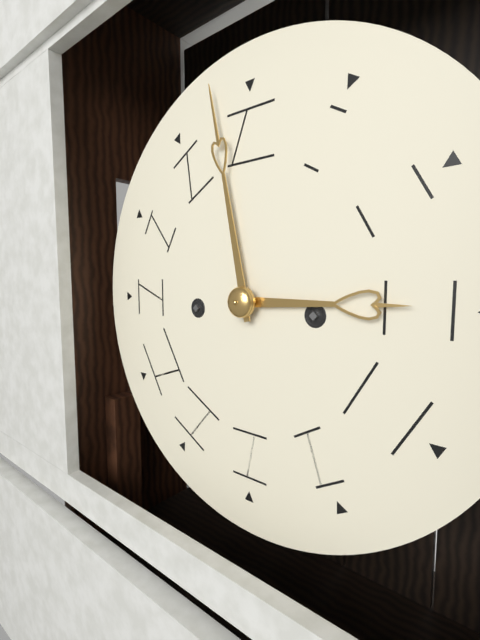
2:58
